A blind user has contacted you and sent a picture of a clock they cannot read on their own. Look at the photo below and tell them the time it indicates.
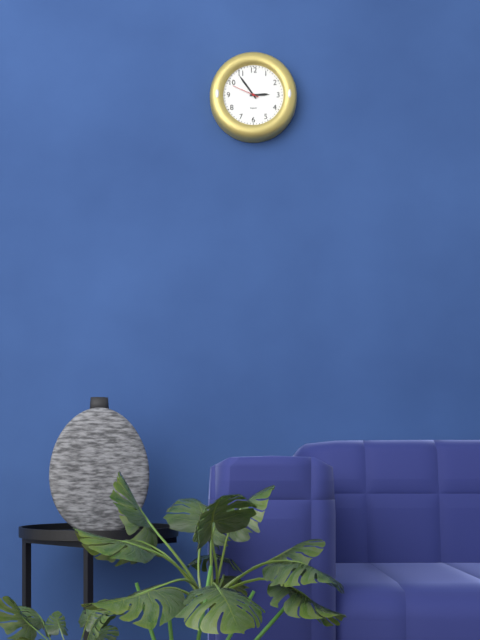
2:54
